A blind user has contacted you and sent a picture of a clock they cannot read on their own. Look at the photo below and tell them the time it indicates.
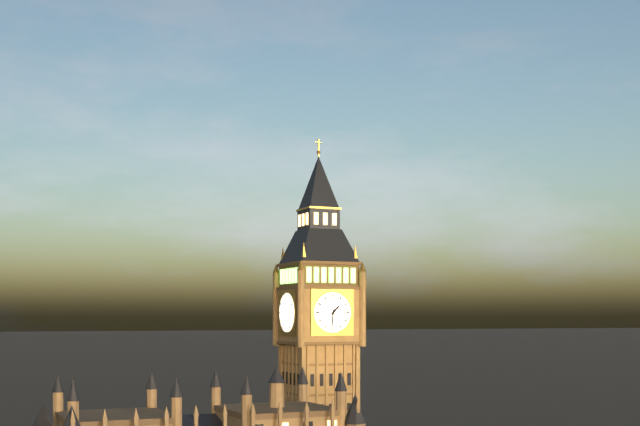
1:31
